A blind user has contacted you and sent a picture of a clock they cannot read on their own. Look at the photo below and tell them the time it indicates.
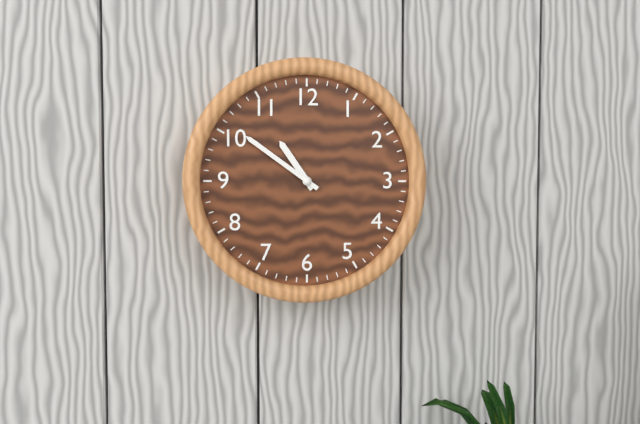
10:51
